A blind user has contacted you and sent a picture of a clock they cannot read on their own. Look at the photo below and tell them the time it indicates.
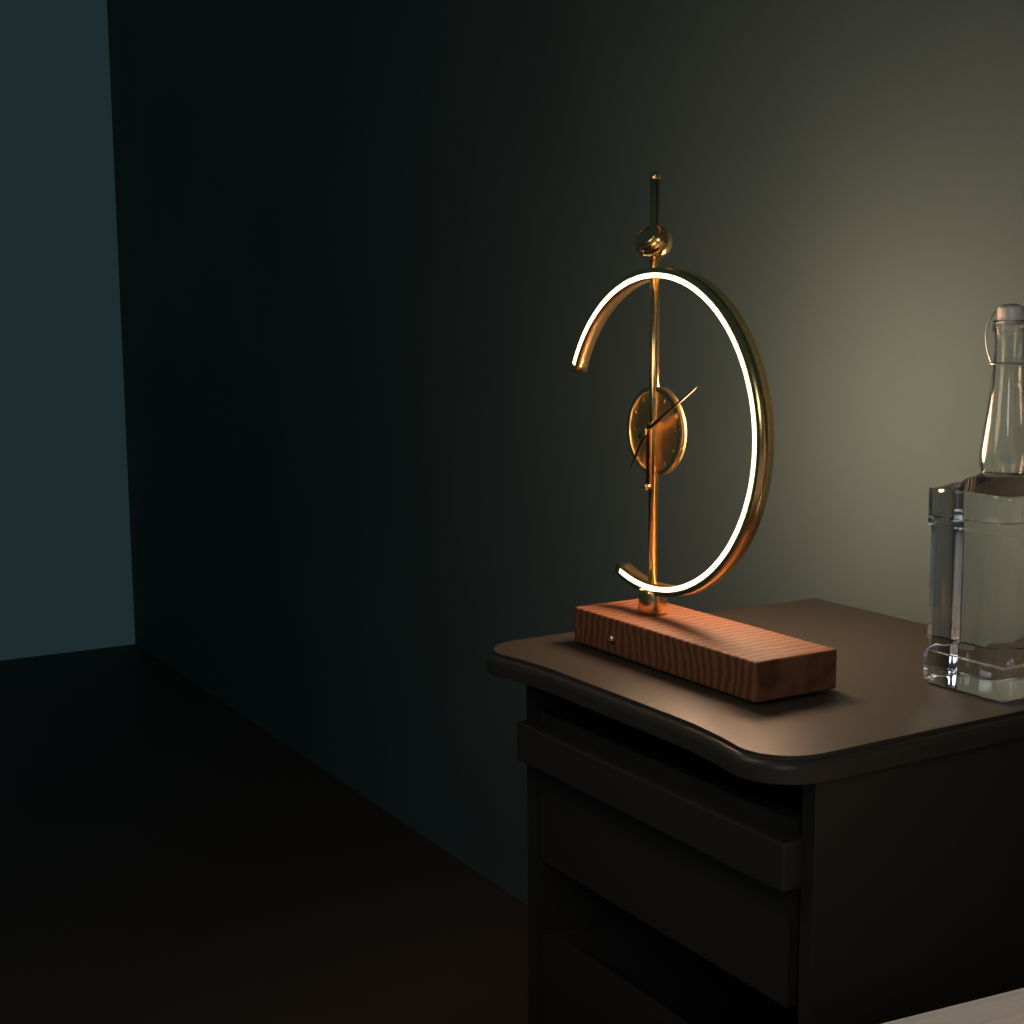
7:10
